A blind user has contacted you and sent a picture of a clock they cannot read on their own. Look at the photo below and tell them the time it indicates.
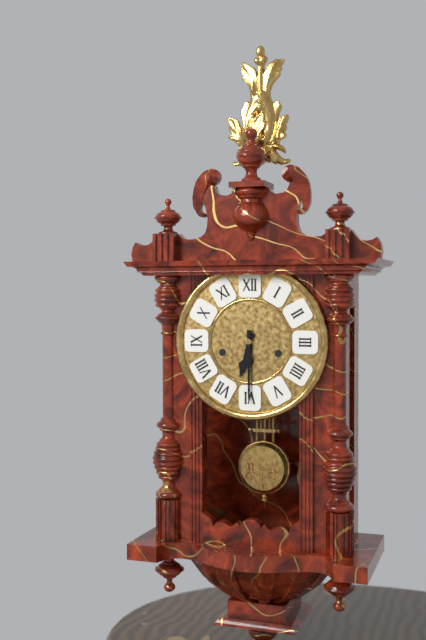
6:30
